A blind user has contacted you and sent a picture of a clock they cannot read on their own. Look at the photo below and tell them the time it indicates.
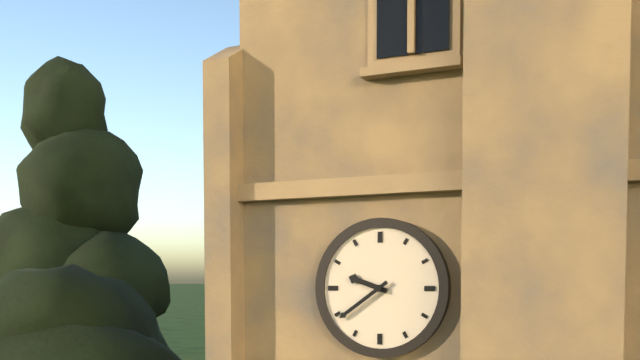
9:39
